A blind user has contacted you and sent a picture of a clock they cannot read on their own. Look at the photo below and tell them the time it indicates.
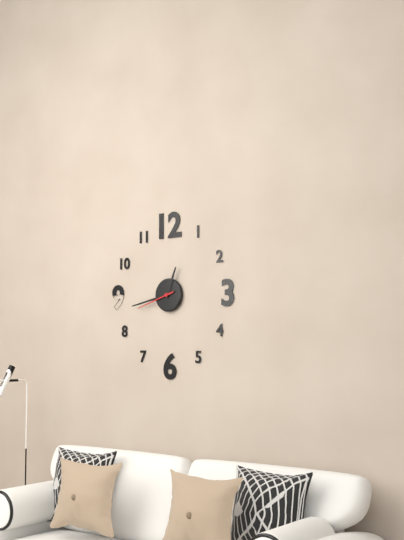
12:43
